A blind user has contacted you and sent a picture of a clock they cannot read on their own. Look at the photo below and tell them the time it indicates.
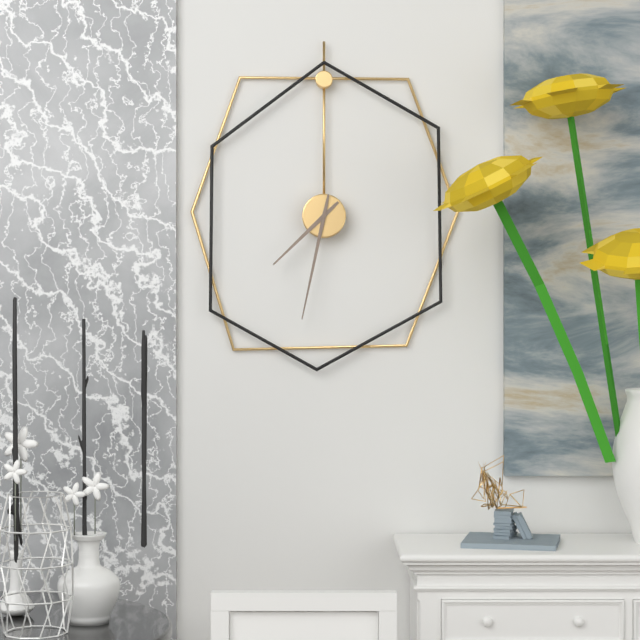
7:32
